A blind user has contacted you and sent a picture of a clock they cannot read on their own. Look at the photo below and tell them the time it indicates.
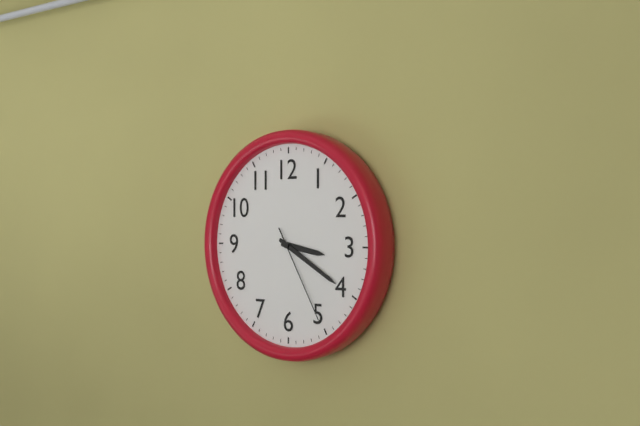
3:20:25
